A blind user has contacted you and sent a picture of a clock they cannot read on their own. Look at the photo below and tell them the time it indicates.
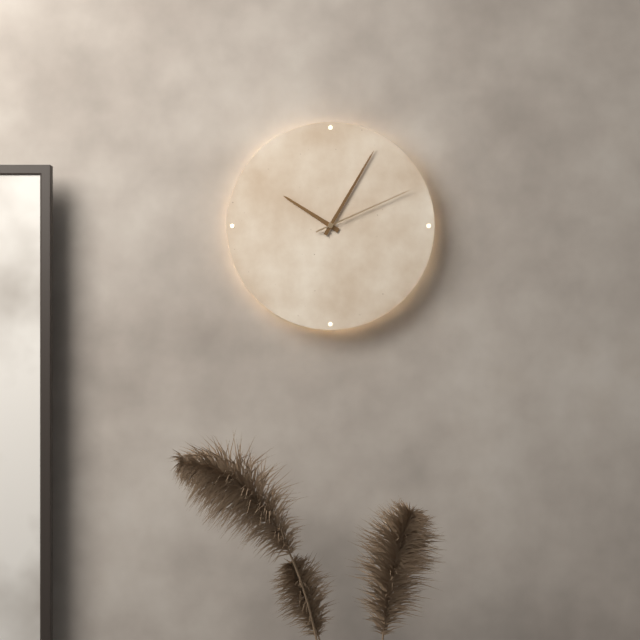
10:05:11
